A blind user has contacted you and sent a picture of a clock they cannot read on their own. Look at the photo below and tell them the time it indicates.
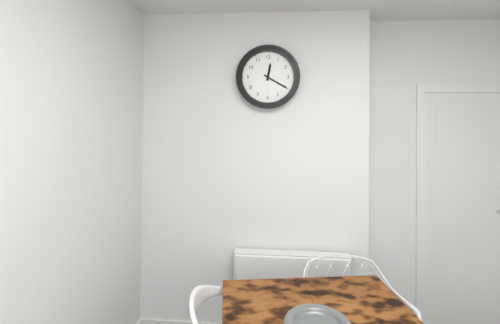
12:20
